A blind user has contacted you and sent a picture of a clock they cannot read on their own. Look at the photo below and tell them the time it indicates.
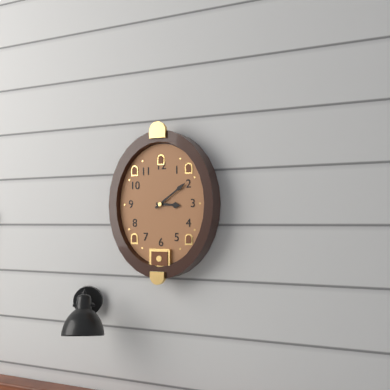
3:09
